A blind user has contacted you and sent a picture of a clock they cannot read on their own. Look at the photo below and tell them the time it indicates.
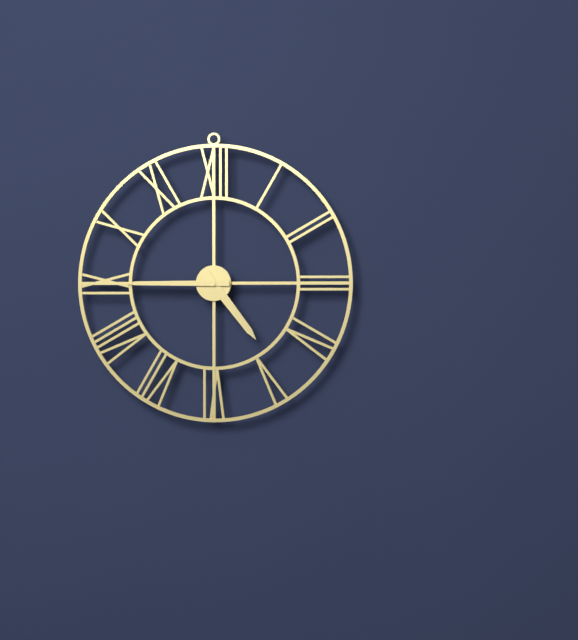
4:45
